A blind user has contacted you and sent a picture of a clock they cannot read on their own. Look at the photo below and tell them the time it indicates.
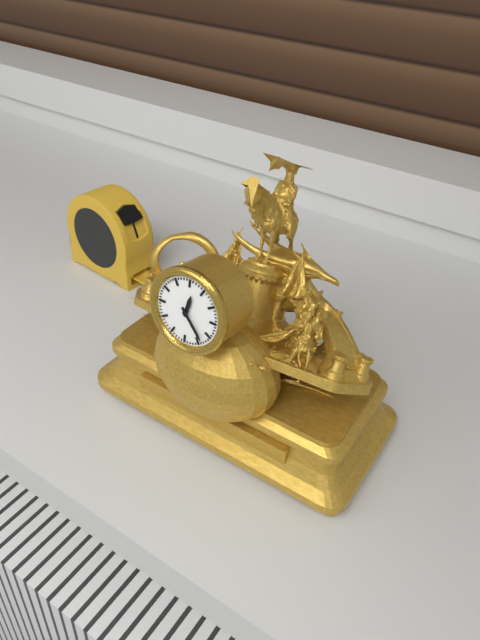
12:23
